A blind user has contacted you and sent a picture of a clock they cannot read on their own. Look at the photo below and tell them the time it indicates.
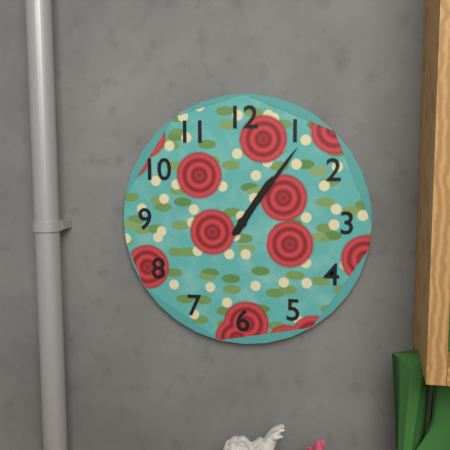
1:06
